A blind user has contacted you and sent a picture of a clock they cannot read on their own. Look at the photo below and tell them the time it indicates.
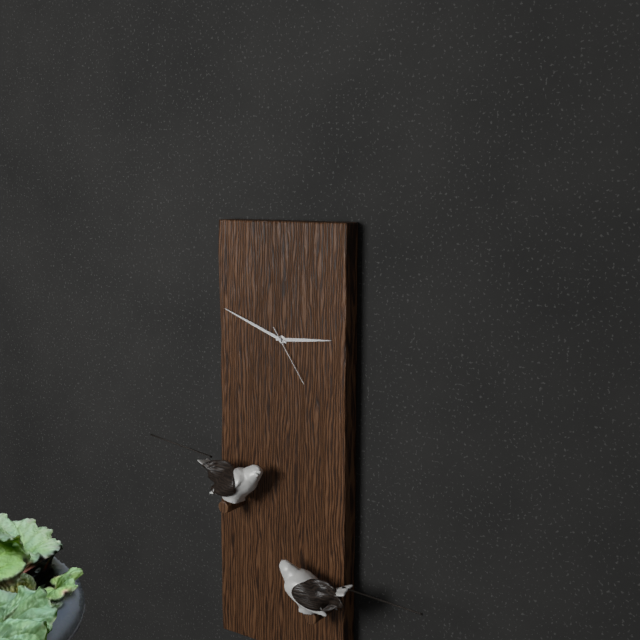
2:48:24
